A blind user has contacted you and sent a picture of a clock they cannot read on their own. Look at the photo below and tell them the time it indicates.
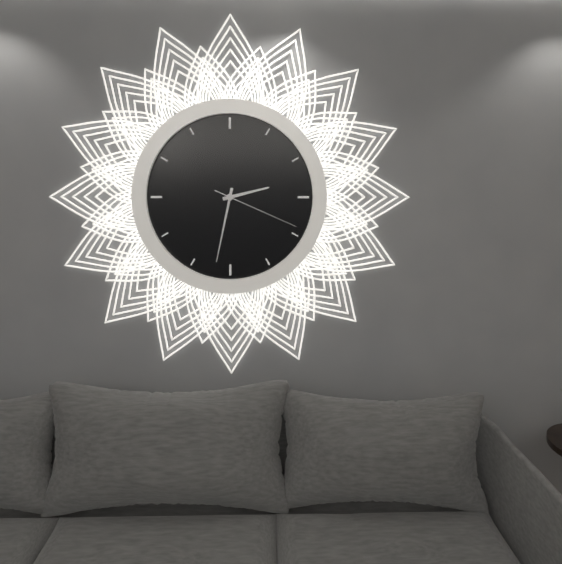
2:32:19
